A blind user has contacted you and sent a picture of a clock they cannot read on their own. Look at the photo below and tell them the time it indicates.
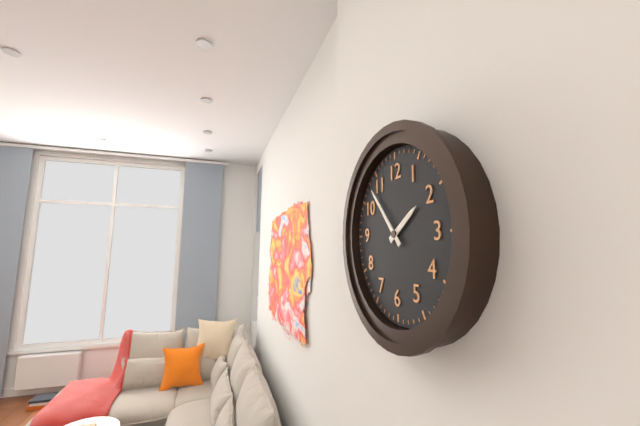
1:53
